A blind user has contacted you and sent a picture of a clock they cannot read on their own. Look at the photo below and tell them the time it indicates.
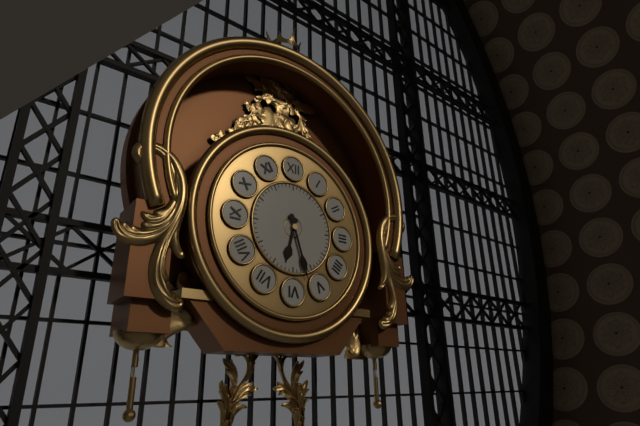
6:27
